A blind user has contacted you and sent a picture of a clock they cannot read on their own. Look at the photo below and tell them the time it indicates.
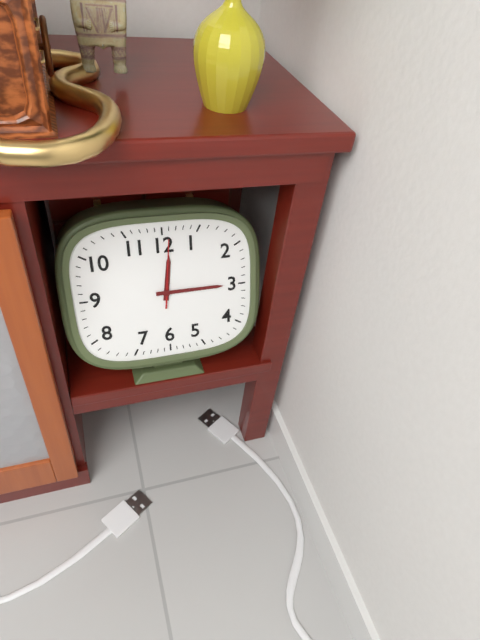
12:15:01
